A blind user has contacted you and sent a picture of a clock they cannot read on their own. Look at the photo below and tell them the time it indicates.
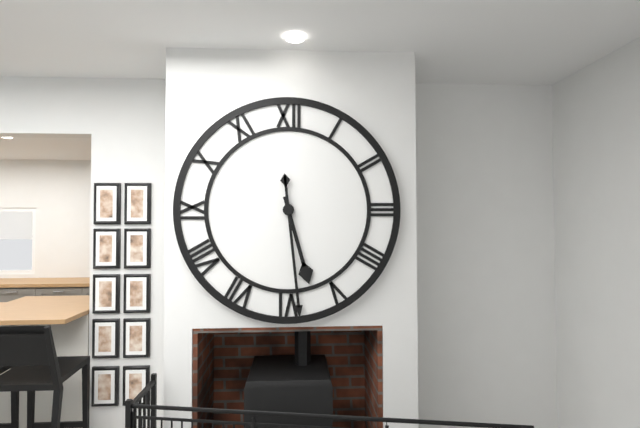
5:29
